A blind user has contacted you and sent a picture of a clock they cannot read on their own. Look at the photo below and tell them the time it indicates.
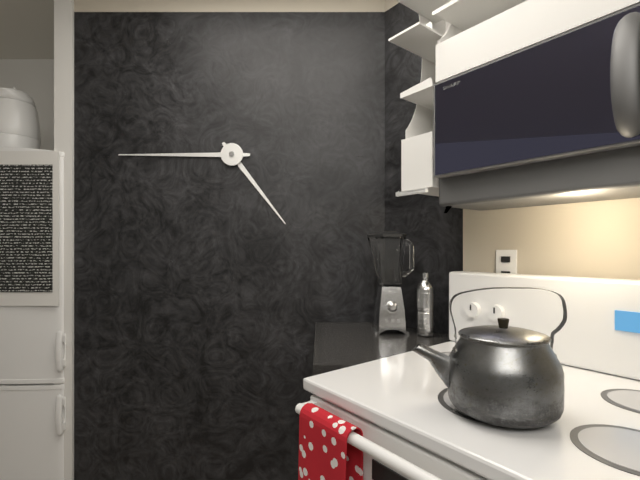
4:45
